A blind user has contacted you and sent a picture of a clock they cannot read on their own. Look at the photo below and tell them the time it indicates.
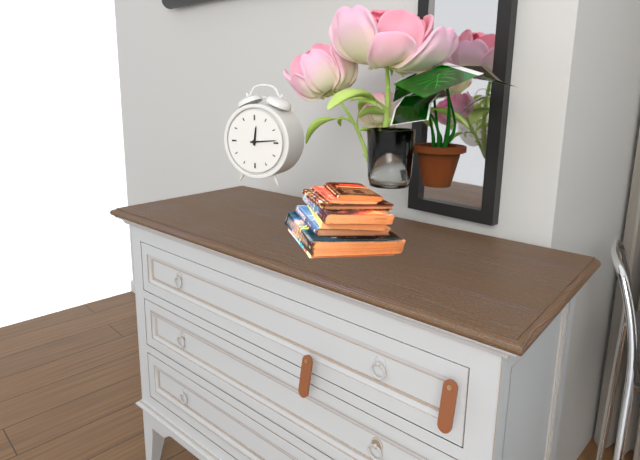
12:14
